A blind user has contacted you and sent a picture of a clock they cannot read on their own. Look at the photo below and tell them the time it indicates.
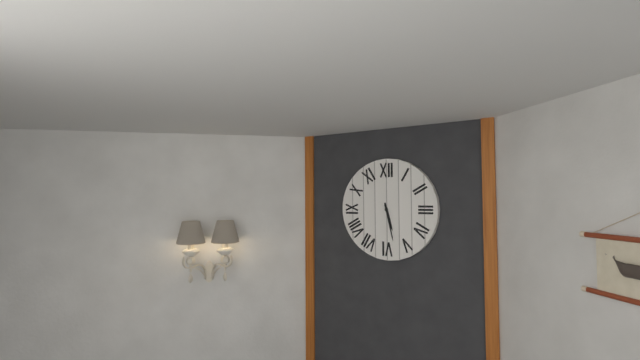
5:28
